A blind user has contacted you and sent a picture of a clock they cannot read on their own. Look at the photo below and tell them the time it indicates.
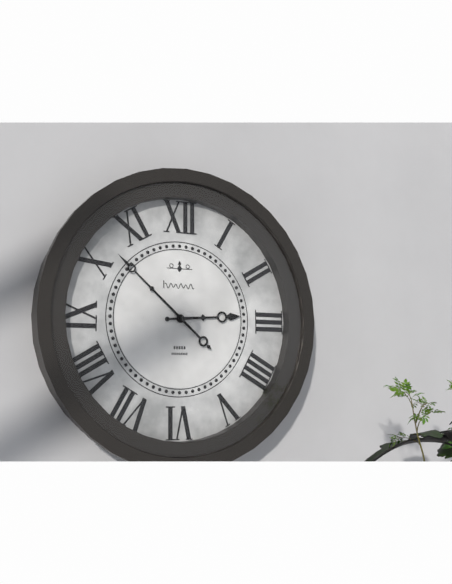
2:52
